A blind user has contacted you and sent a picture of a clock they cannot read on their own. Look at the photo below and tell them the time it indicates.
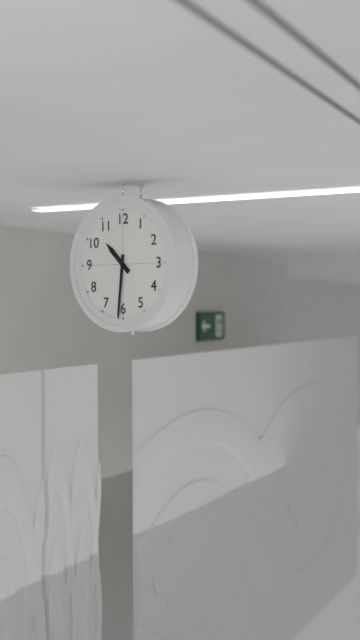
10:31
